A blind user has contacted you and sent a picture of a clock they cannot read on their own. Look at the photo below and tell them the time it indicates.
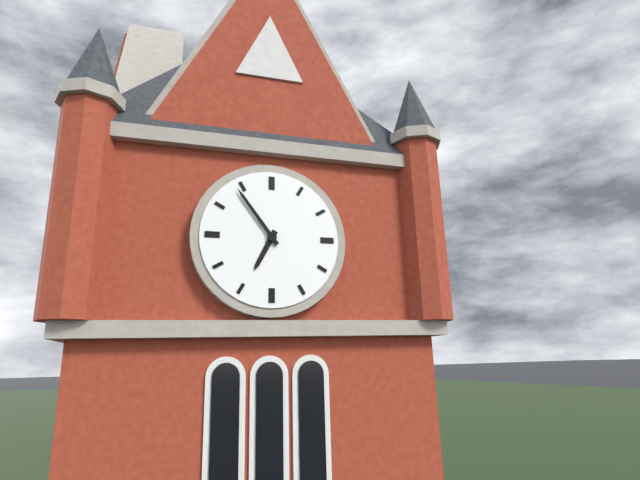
6:54
